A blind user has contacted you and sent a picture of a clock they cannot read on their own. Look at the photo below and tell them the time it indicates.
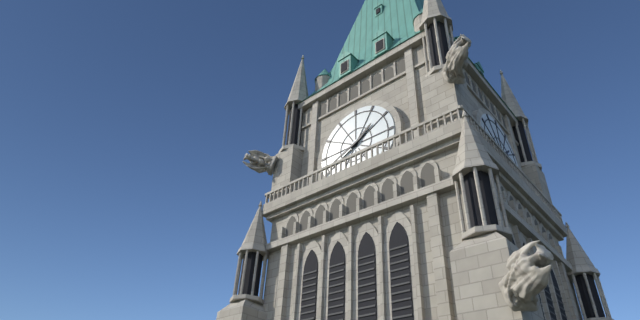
1:41
